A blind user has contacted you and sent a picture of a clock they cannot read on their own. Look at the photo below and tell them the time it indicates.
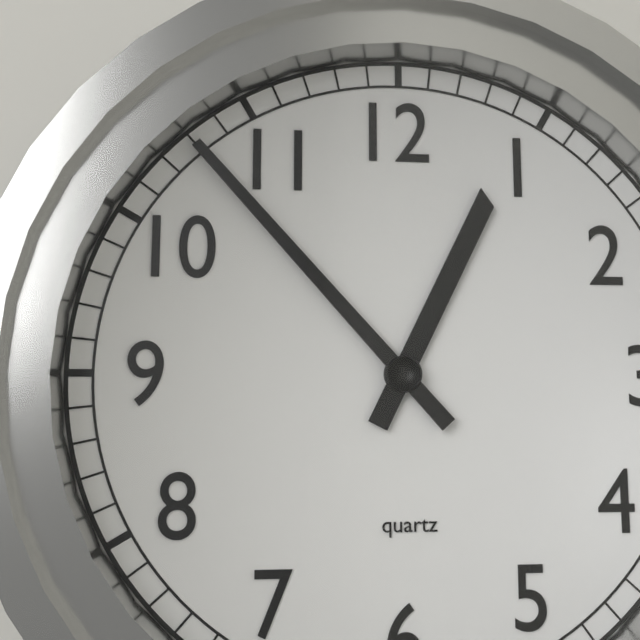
12:53
